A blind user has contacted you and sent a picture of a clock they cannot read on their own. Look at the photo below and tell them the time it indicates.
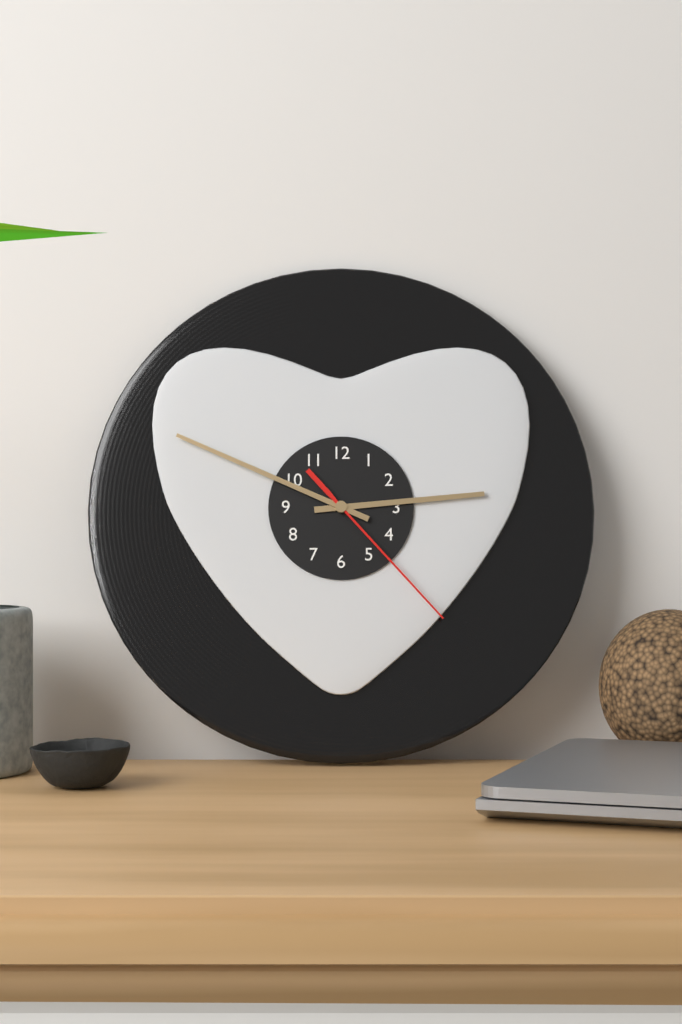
2:49:23
